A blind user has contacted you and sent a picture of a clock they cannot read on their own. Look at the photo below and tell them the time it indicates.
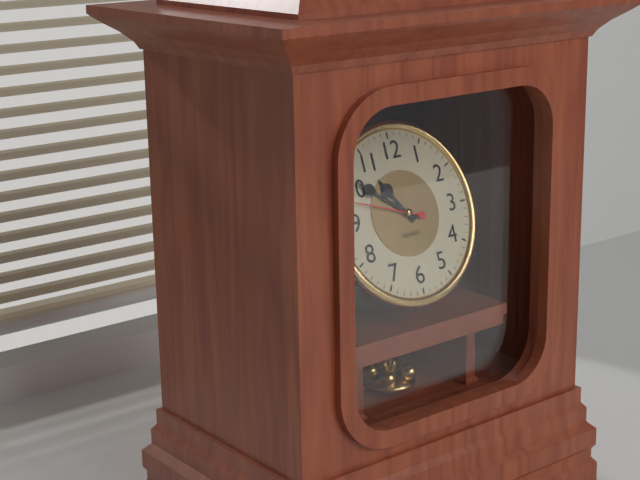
10:51:48
